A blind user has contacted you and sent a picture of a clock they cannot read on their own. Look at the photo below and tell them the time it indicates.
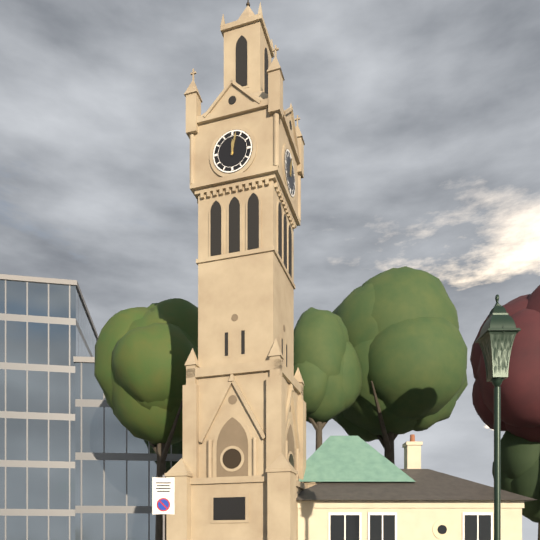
12:02
